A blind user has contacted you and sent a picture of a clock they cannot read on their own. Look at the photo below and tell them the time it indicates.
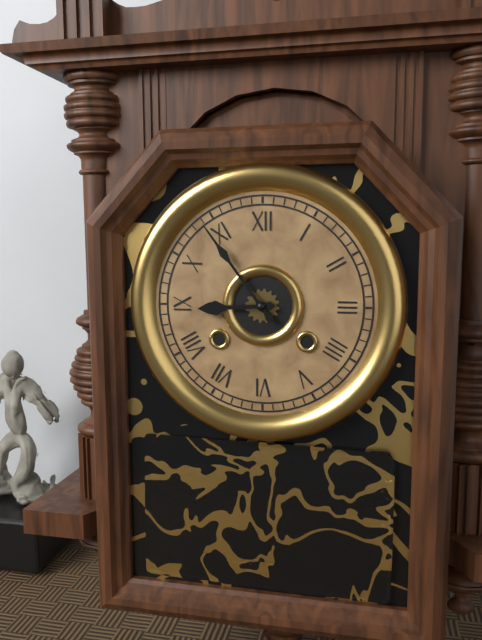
8:54
